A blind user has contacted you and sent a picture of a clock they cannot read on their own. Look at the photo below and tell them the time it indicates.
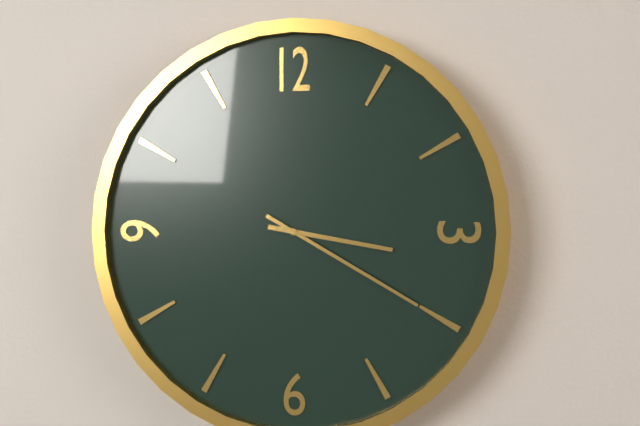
3:20
